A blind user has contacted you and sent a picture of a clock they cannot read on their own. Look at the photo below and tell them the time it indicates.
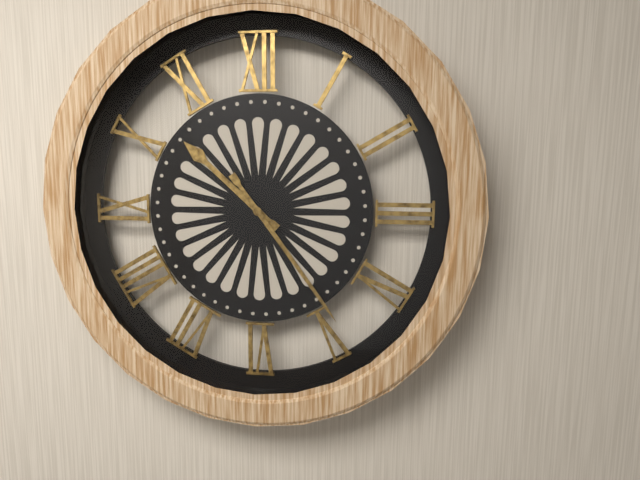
10:24
